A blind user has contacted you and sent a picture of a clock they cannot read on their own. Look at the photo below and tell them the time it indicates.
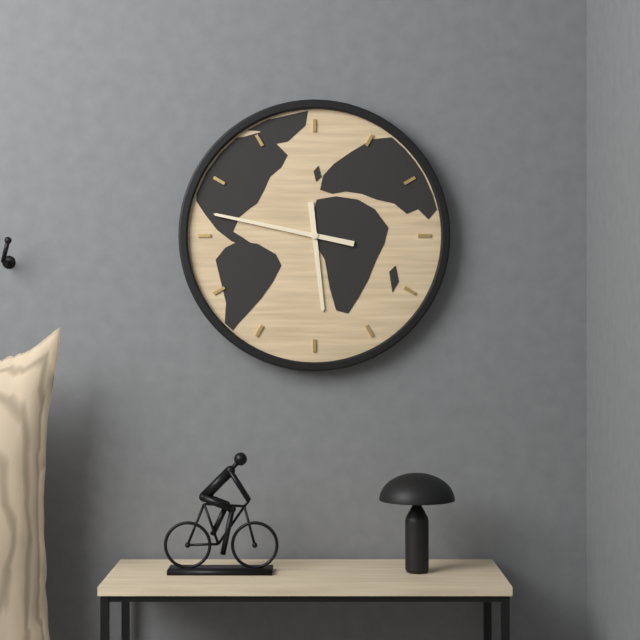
5:47
